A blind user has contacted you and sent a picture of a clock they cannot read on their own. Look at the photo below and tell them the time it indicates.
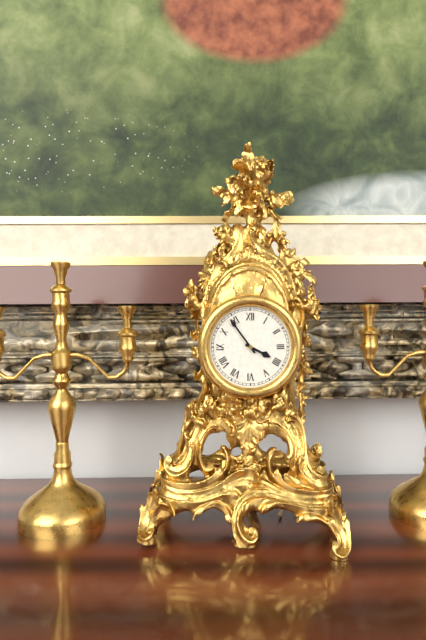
3:54
